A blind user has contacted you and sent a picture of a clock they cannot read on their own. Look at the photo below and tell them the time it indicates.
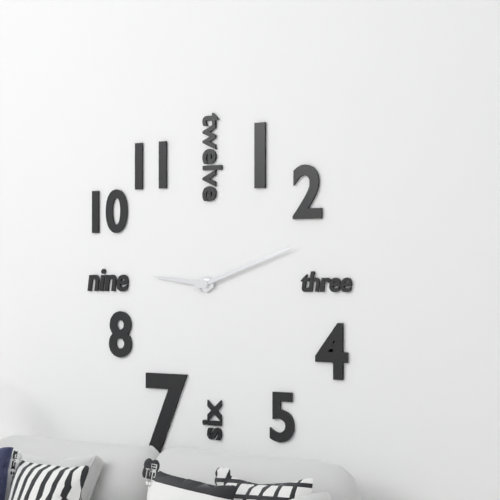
9:12
